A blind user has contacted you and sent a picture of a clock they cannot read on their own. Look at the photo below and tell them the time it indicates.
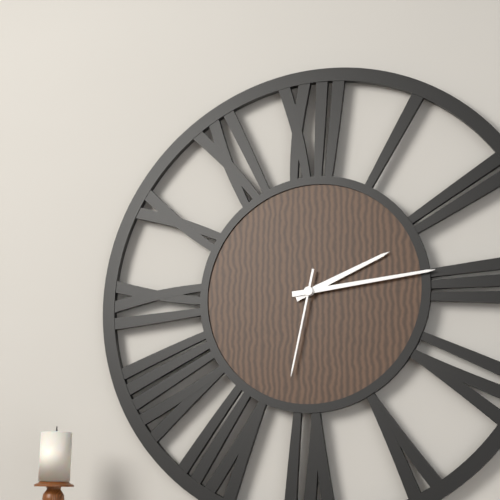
2:14:32
